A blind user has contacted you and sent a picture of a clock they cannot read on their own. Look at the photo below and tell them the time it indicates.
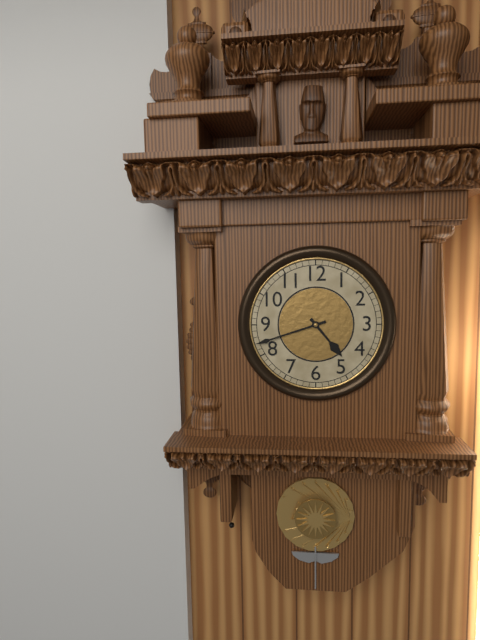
4:42
